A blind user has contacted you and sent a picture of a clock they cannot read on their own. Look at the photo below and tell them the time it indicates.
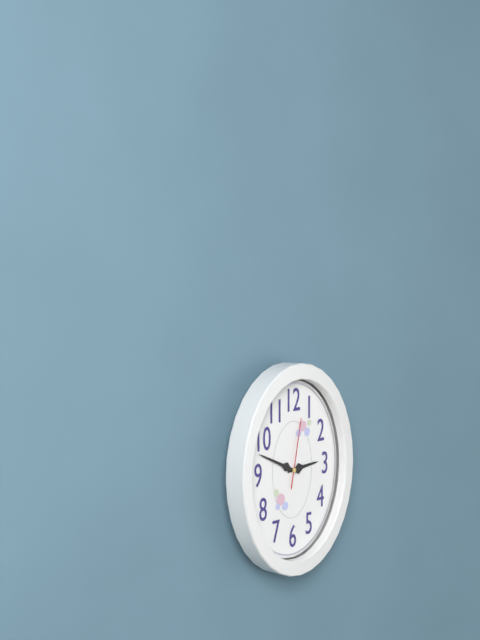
2:49:02
